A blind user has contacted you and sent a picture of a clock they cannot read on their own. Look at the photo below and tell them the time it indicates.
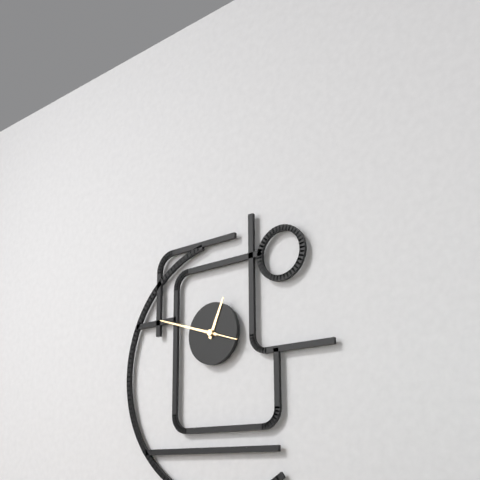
12:48
